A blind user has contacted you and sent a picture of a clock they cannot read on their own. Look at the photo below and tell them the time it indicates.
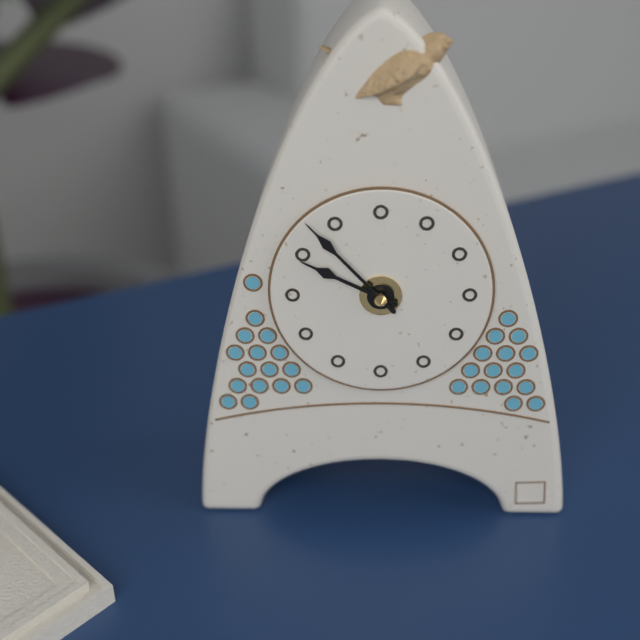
9:53
